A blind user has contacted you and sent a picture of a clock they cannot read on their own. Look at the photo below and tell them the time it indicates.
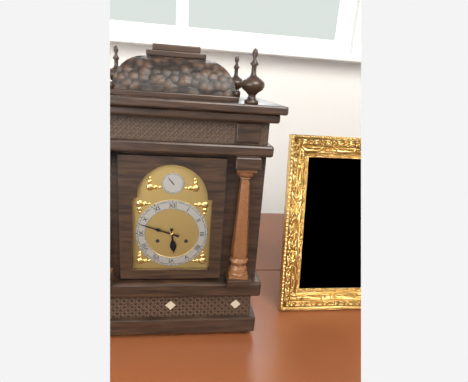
5:48
